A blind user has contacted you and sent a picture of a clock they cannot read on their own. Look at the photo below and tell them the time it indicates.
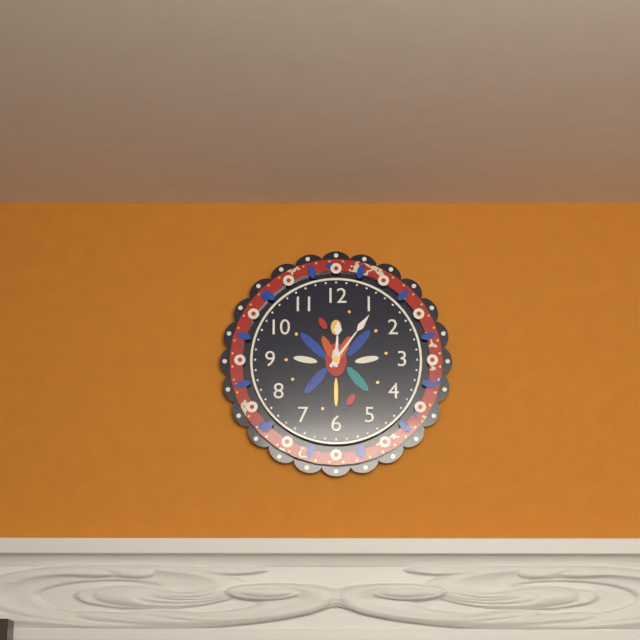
12:06
